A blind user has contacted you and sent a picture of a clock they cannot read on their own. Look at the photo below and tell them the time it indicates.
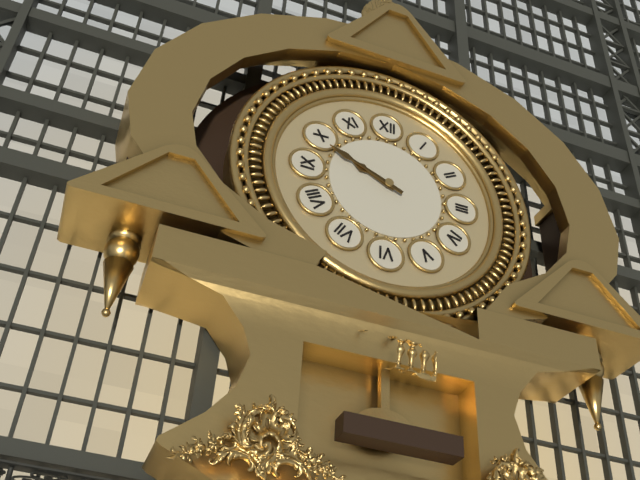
9:49
